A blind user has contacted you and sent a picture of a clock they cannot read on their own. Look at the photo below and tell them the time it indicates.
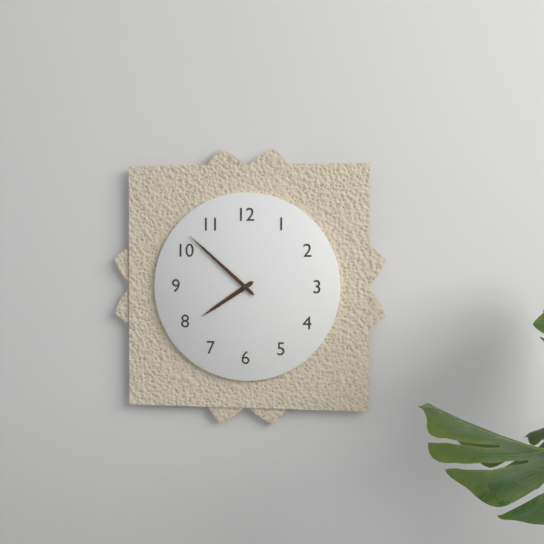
7:52
